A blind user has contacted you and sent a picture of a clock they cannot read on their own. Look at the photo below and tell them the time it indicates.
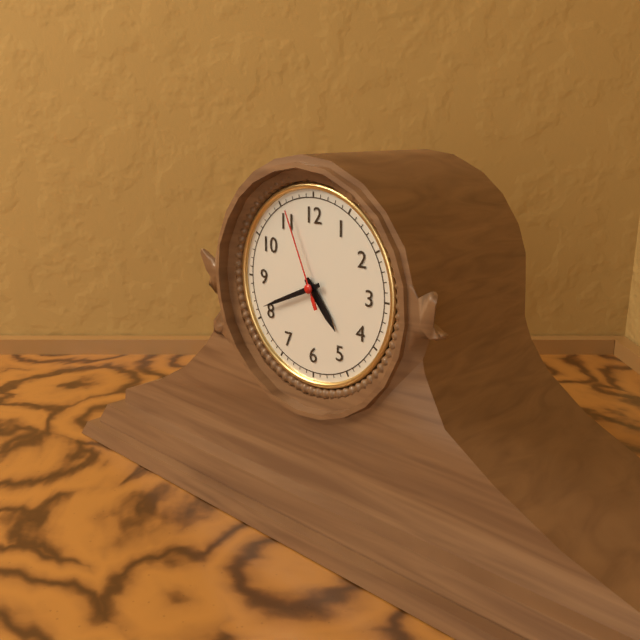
4:41:56
